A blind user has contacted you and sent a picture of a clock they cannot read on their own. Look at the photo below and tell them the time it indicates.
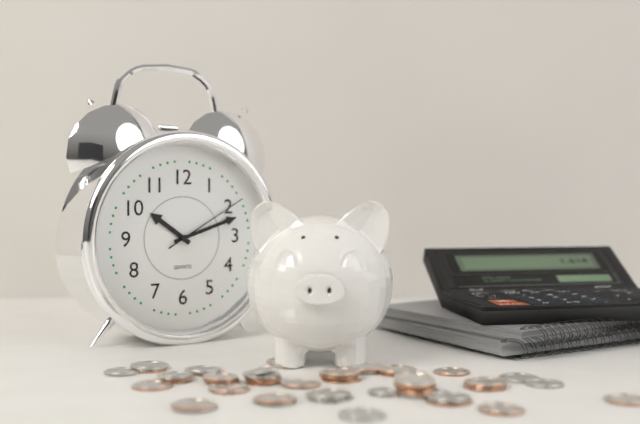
10:12:10
